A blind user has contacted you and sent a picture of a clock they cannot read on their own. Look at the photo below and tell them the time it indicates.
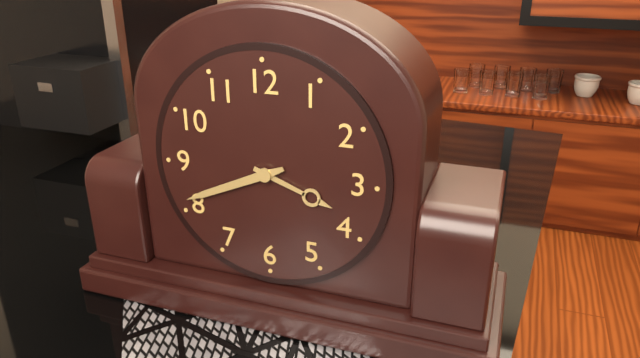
3:41
